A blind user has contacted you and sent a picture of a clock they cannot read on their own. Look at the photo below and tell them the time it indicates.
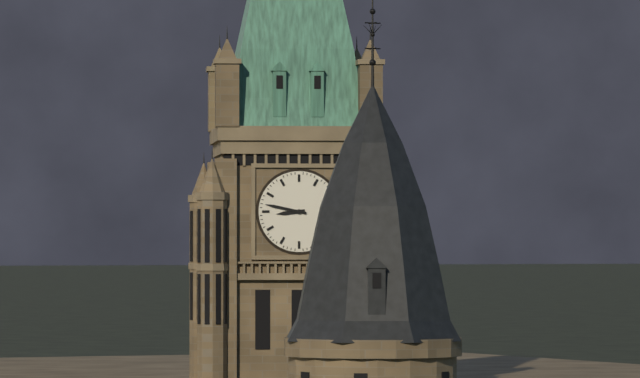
8:47
